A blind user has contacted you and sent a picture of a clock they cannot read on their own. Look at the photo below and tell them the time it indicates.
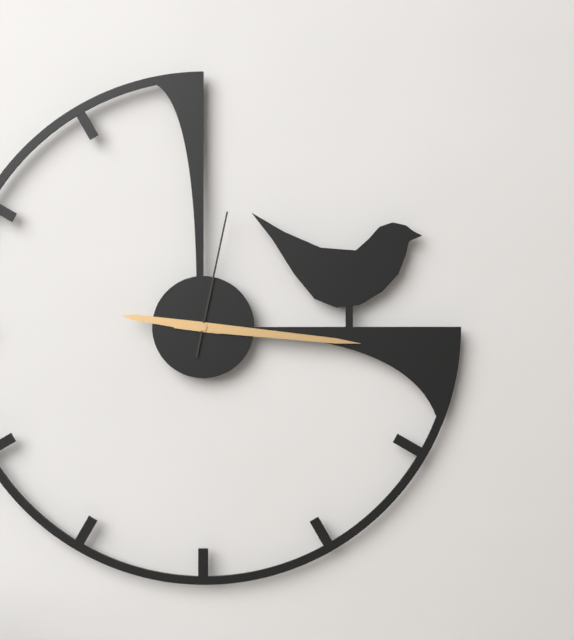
9:16:02
